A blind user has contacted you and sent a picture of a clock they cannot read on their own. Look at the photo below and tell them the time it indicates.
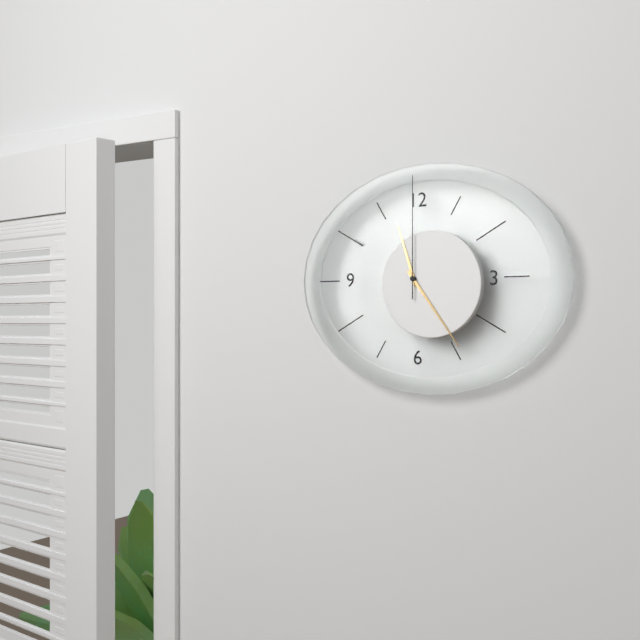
11:24:00
